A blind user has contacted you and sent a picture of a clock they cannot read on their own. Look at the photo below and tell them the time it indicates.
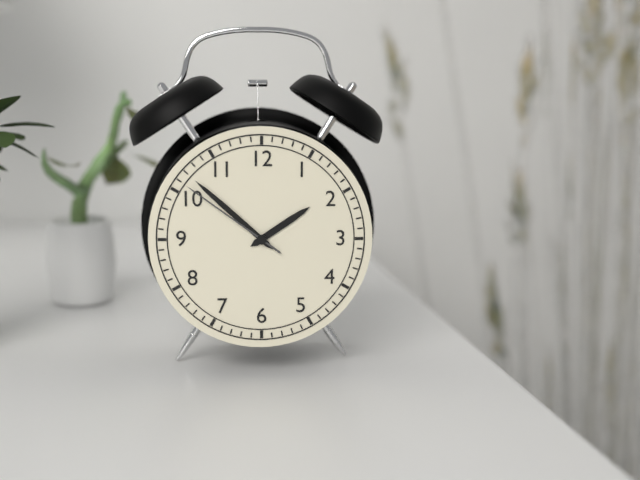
1:52:51
